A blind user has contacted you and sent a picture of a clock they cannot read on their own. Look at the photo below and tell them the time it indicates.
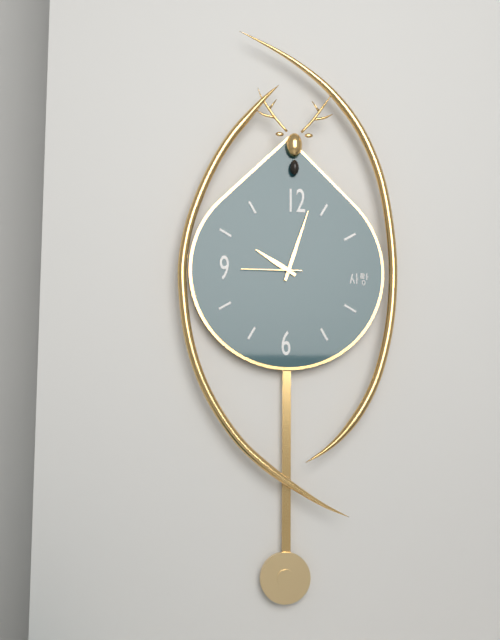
10:03:45
